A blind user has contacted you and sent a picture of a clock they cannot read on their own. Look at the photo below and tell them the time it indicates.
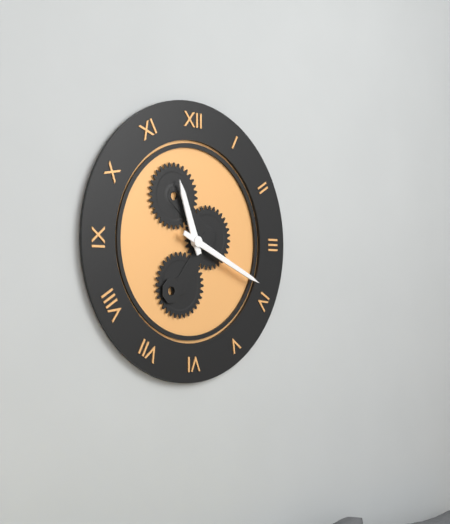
11:19
